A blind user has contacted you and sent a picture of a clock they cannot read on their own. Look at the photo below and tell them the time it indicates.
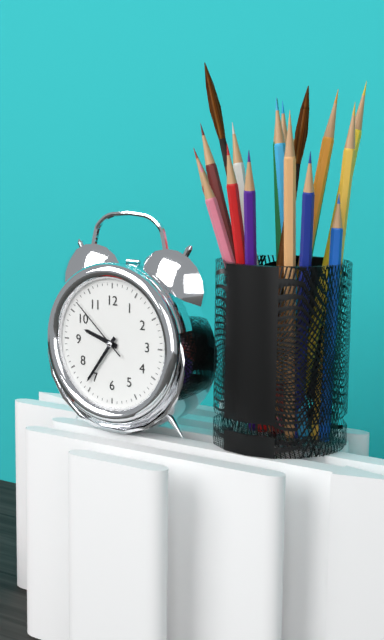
9:36:52
